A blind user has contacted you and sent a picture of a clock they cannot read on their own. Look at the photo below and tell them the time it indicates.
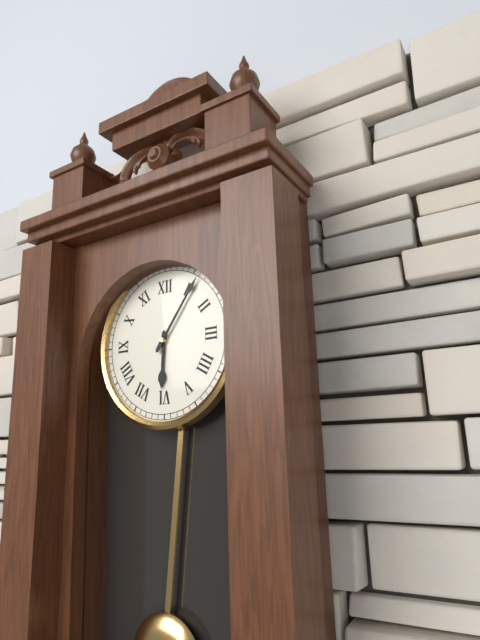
6:06
